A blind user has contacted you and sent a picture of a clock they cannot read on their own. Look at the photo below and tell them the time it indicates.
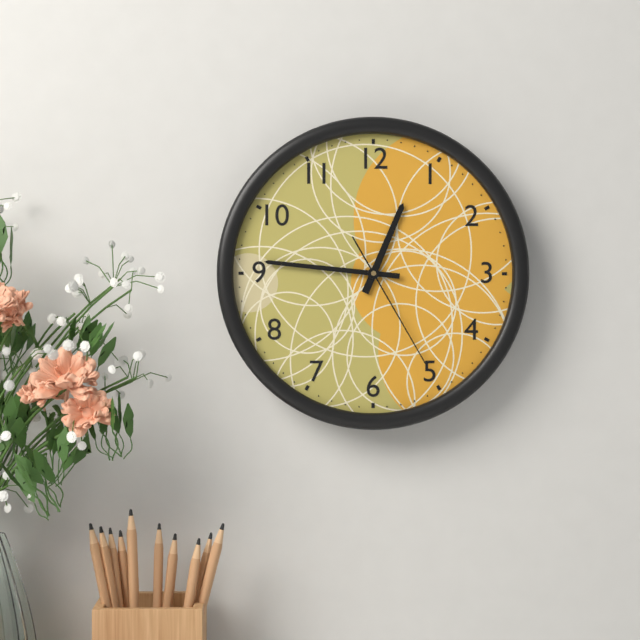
12:46:25
